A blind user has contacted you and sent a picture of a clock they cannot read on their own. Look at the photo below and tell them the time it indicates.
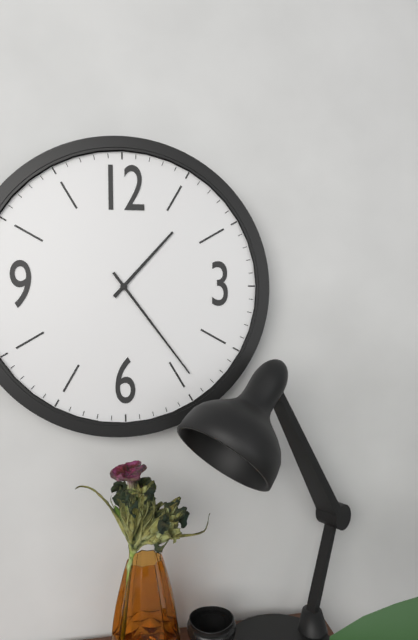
1:24
